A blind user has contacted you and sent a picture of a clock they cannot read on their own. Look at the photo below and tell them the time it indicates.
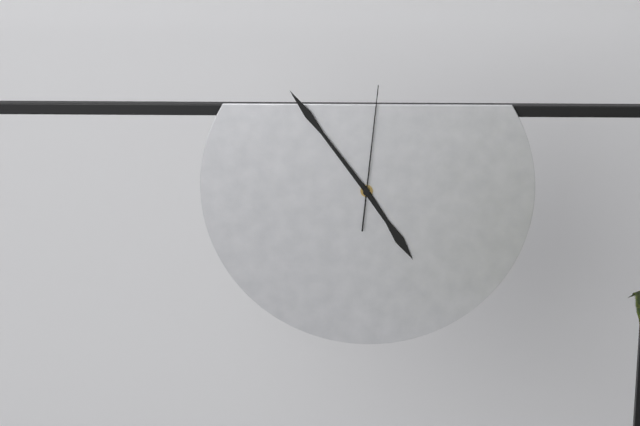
4:54:01
